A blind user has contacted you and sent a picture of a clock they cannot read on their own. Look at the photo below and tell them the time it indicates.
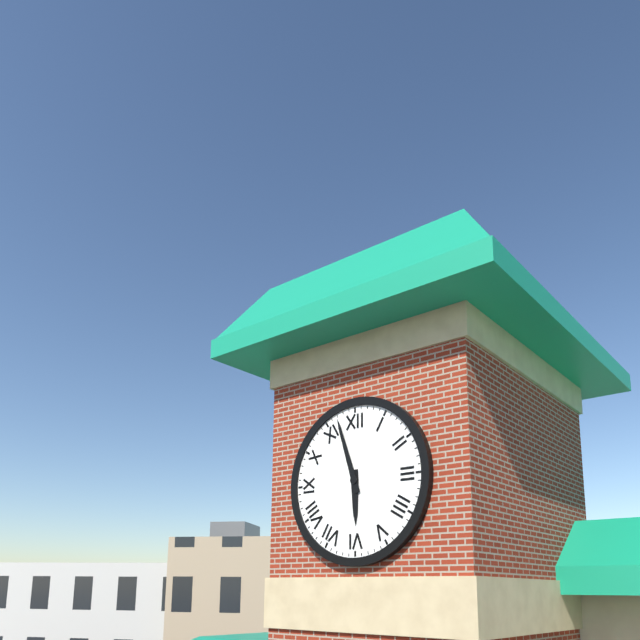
5:57
